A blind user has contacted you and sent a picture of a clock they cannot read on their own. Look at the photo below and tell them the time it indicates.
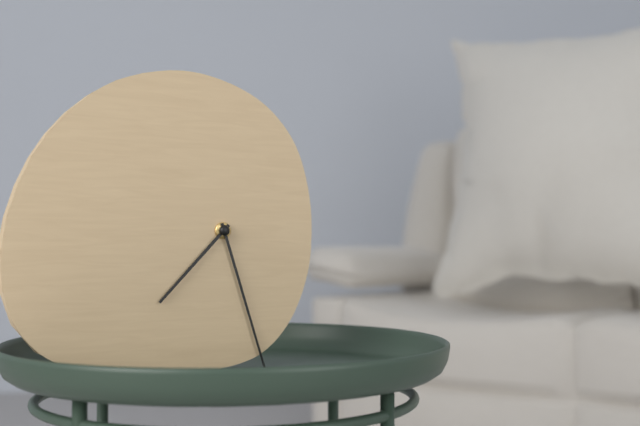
7:27
